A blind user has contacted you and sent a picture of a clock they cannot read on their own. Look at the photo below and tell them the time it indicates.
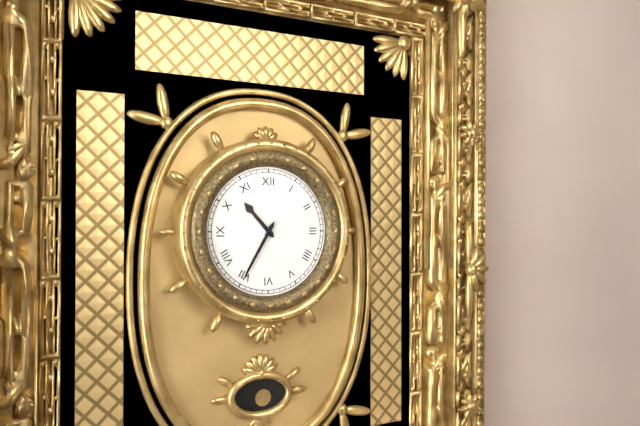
10:35
